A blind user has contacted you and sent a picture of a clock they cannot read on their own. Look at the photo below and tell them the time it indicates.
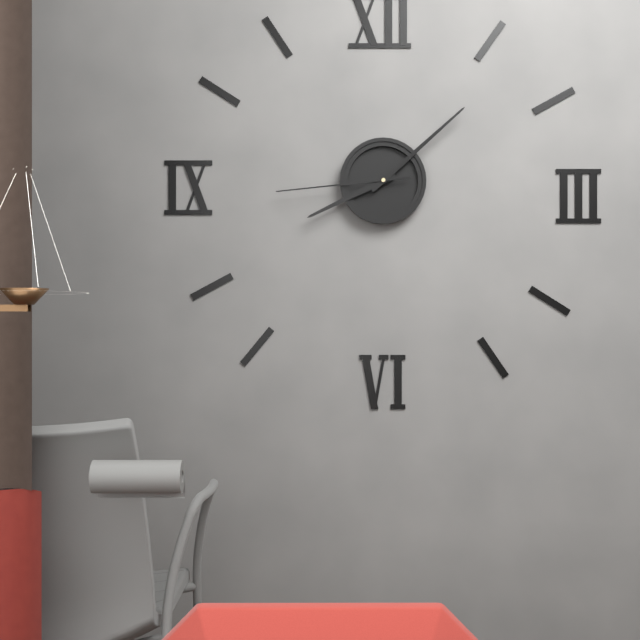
8:08:44
